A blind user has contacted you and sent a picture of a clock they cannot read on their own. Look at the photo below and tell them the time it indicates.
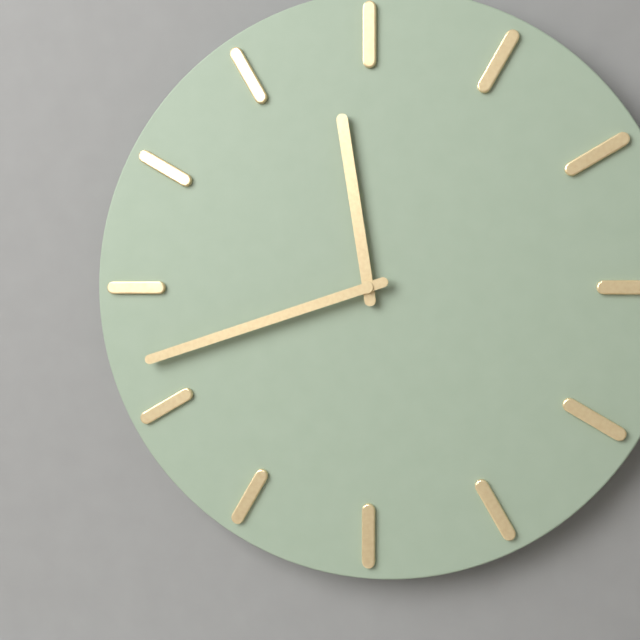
11:42
